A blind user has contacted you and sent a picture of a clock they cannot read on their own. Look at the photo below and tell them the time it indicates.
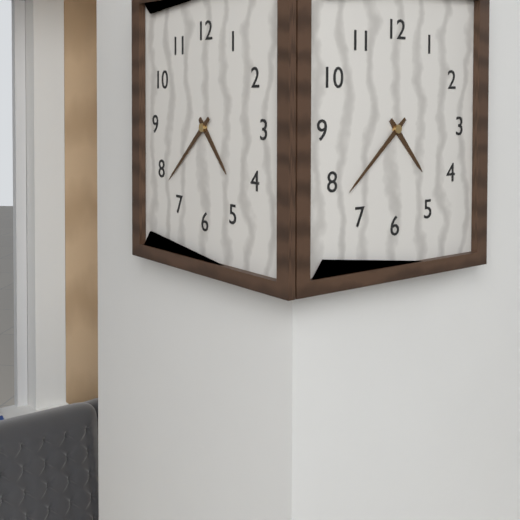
4:38
